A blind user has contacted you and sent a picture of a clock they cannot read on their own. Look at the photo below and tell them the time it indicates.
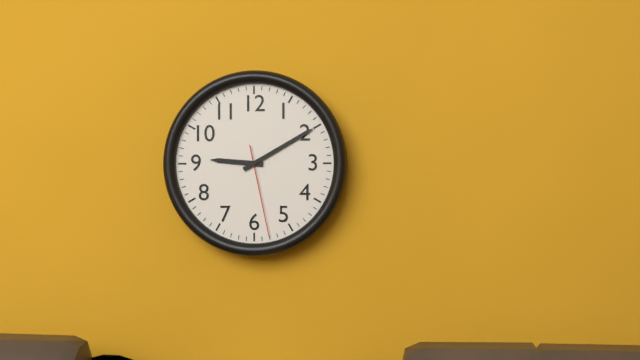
9:10:28
